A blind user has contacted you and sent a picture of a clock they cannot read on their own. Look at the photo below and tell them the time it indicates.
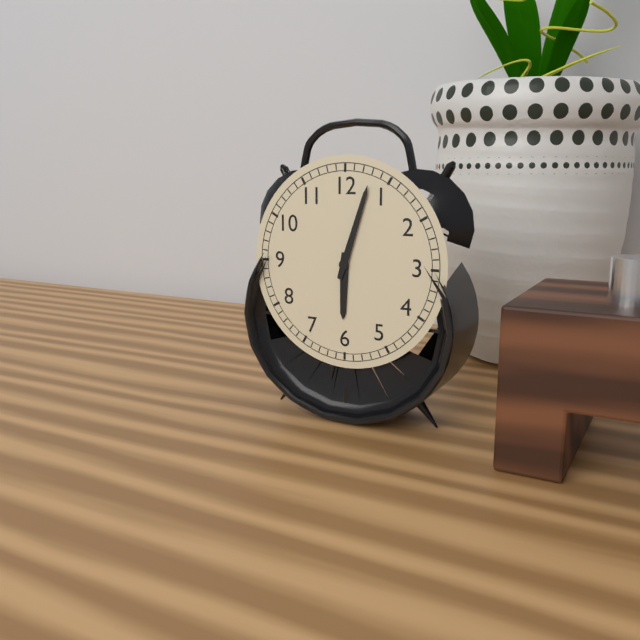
6:03
